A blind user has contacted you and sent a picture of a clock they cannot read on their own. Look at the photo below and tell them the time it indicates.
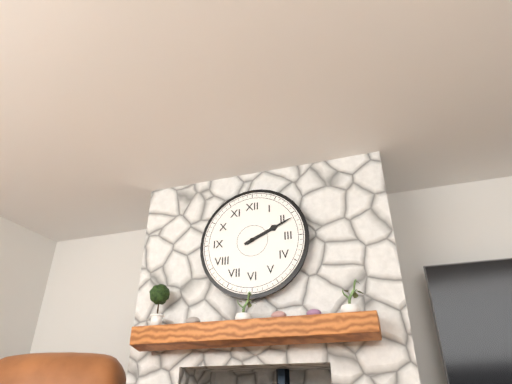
2:11
